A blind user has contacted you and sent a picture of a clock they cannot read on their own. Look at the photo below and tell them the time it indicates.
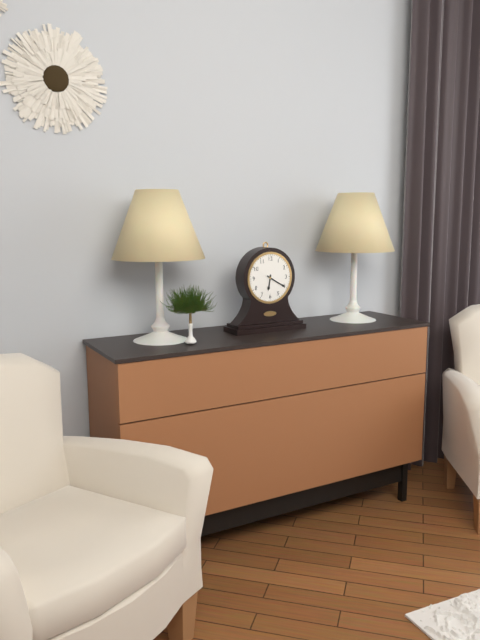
6:20
